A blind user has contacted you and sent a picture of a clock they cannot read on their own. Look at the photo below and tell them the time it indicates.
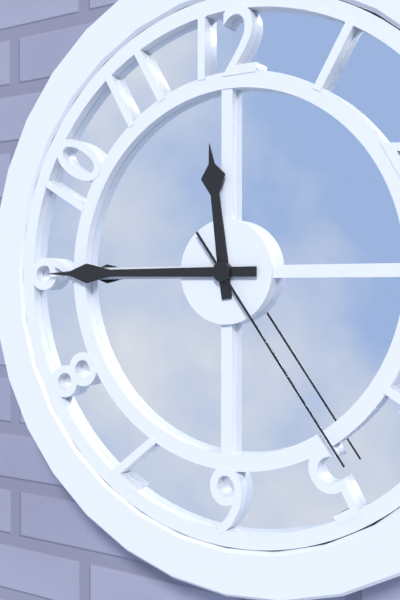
11:45:24
